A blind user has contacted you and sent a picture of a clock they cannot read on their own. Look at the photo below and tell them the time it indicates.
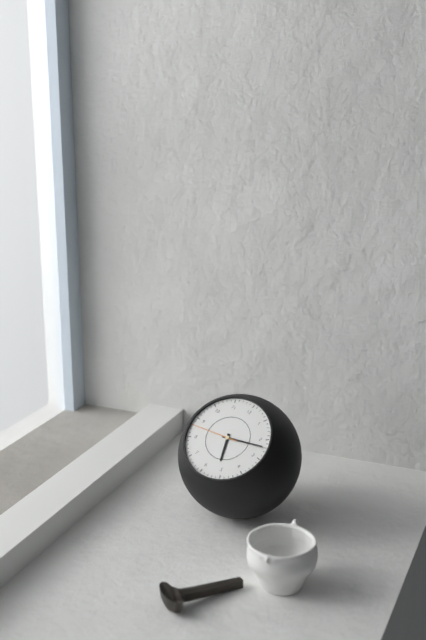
5:12
